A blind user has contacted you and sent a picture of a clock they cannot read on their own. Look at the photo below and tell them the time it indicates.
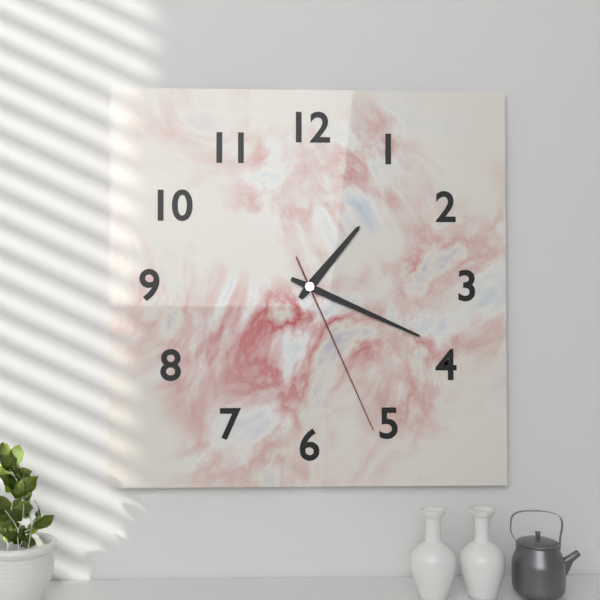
1:19:26
